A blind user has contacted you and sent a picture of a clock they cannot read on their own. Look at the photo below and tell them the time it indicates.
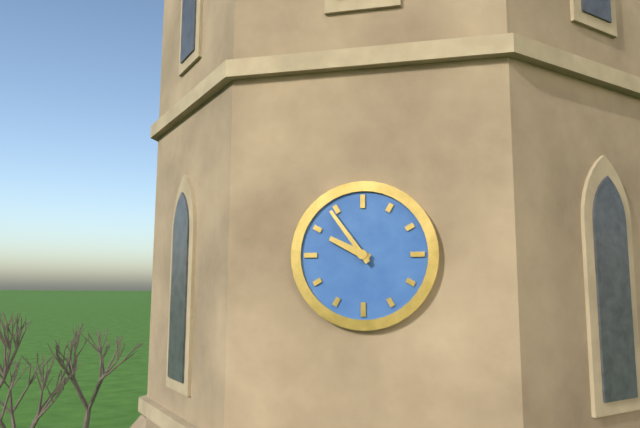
9:54
